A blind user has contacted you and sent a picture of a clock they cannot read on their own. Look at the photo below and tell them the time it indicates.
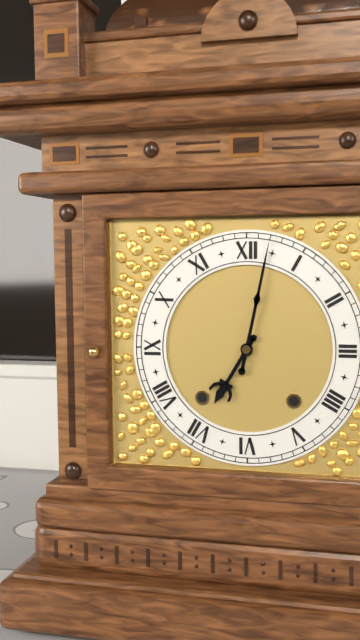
7:02
